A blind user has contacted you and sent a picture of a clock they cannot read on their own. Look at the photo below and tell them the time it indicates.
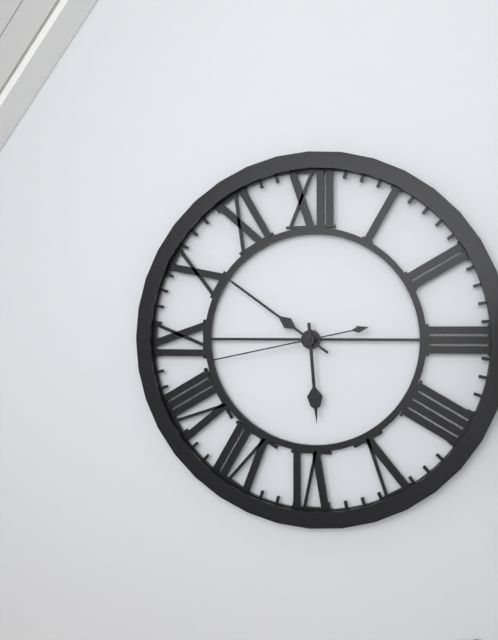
5:51:43
